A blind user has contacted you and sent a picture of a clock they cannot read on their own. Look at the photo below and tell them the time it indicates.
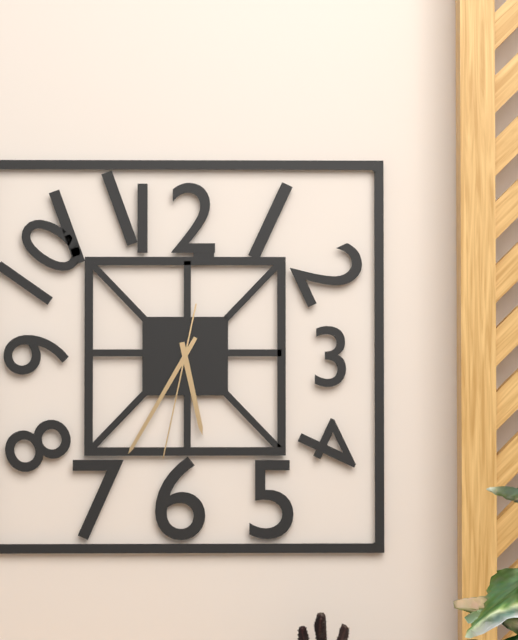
5:35:32
